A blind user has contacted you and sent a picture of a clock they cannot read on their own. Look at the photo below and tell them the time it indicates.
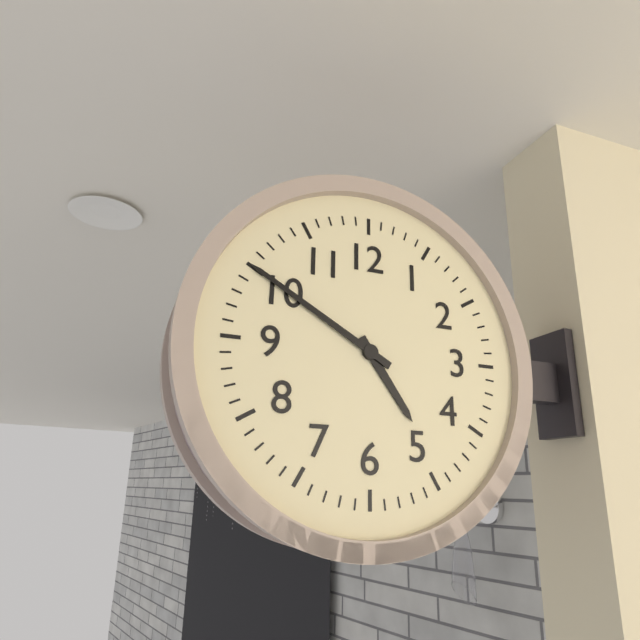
4:50
